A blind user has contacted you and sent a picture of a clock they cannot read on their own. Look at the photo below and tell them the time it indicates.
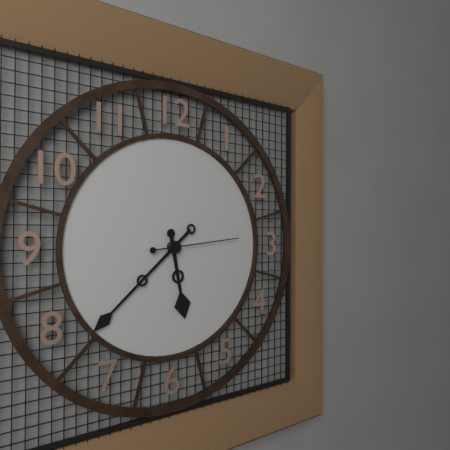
5:38:14
